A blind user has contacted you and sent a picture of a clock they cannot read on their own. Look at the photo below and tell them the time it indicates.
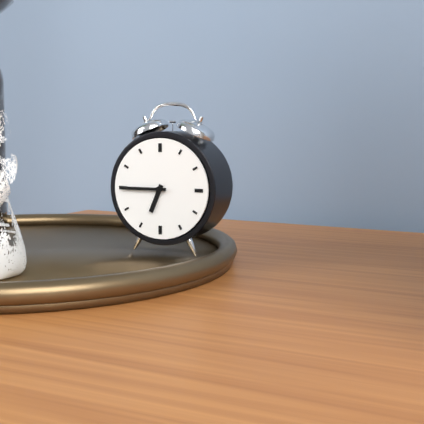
6:45
